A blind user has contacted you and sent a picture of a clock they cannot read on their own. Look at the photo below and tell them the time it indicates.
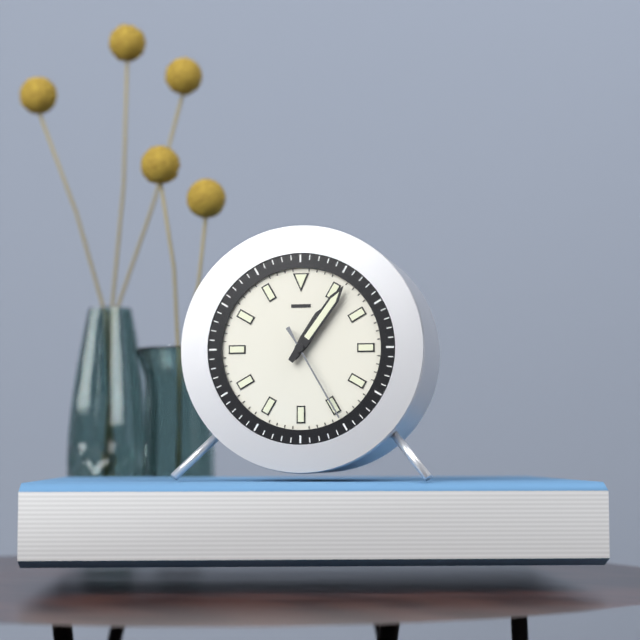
1:06:25
